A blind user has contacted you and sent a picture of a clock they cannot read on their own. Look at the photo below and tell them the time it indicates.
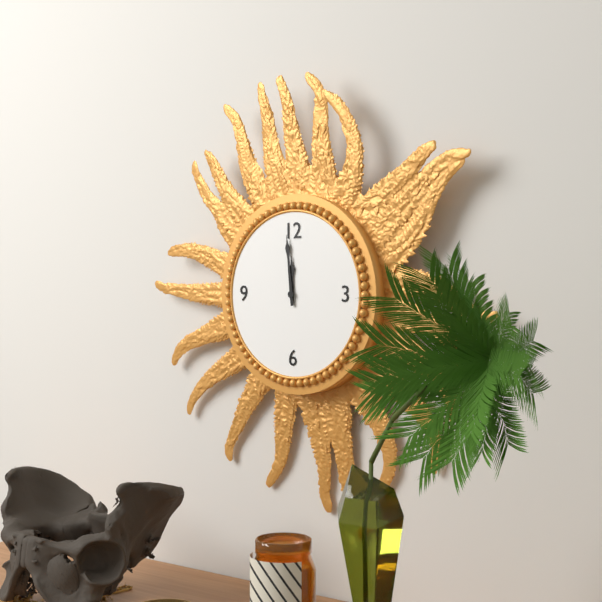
11:59
